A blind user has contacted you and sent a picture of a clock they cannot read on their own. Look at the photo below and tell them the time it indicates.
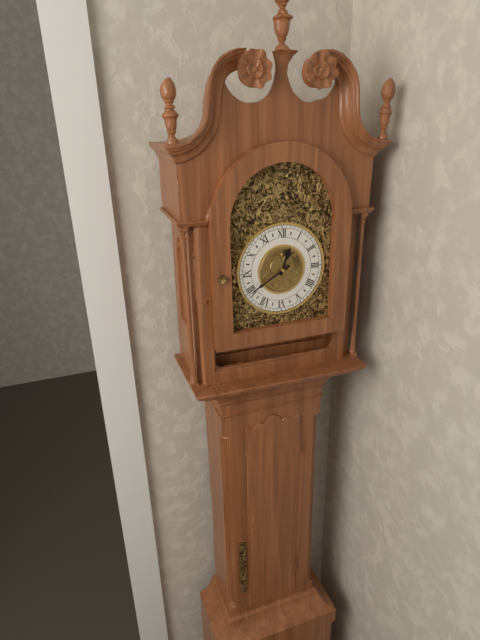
12:40
